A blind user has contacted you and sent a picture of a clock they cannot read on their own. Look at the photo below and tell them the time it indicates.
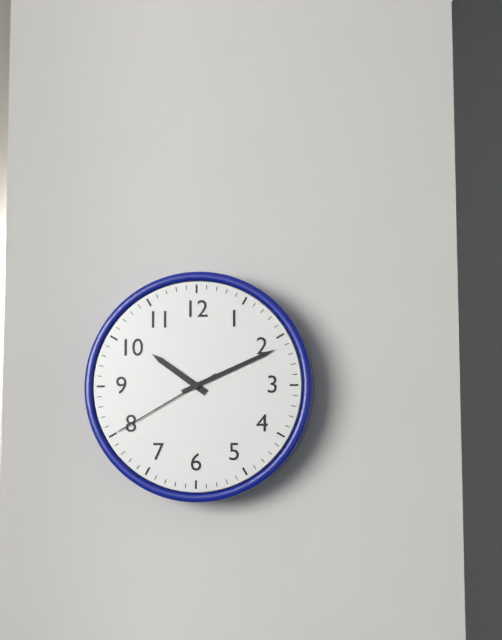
10:11:40
